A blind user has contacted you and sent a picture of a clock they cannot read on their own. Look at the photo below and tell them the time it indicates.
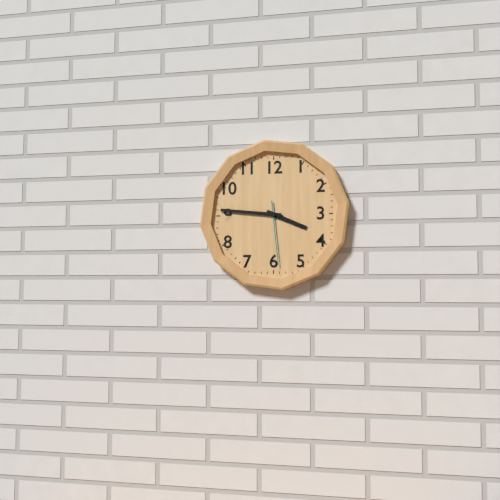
3:46:29
